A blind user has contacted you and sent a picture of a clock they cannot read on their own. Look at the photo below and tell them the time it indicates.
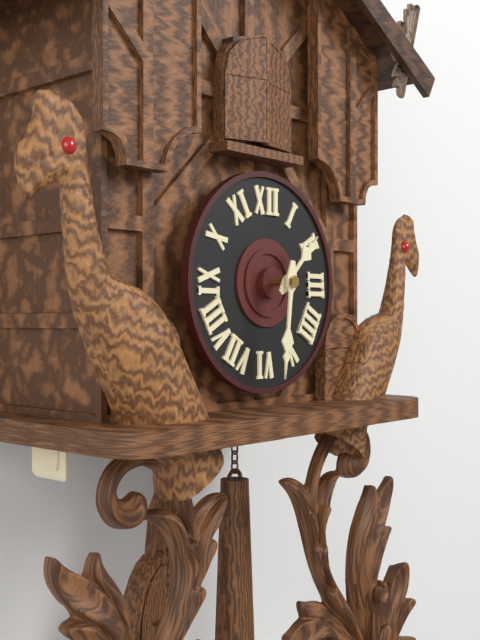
1:31
